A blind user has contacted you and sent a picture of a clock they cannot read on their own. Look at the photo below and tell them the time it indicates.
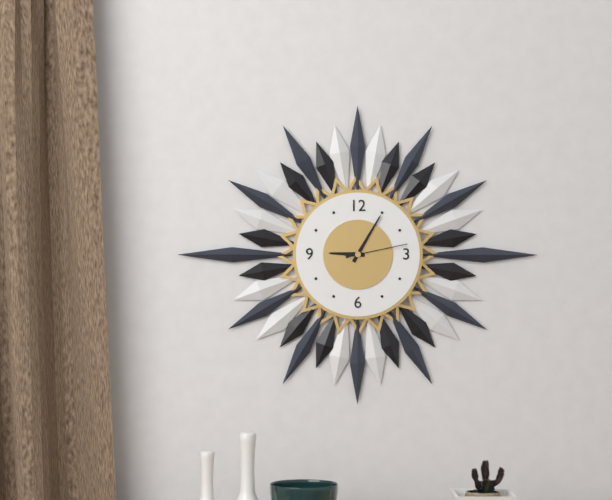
9:05:13
